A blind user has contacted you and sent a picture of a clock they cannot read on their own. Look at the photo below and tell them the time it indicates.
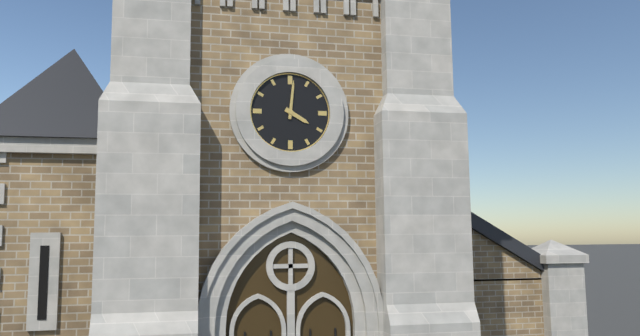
4:01
